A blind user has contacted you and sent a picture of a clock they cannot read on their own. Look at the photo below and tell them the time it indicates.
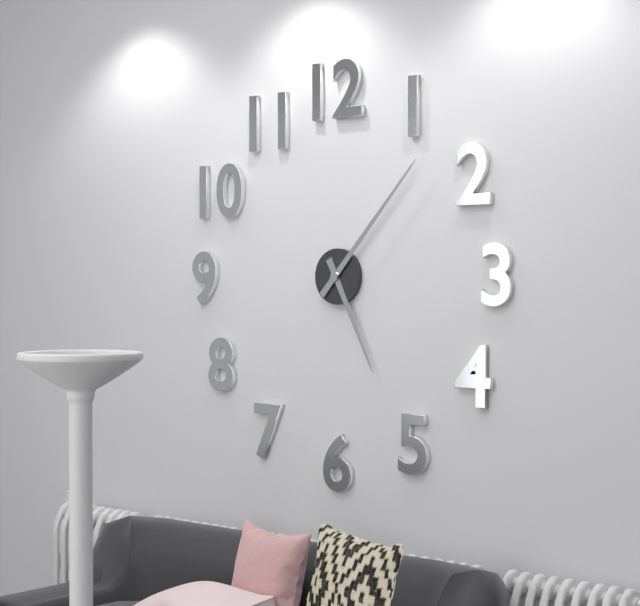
5:07
